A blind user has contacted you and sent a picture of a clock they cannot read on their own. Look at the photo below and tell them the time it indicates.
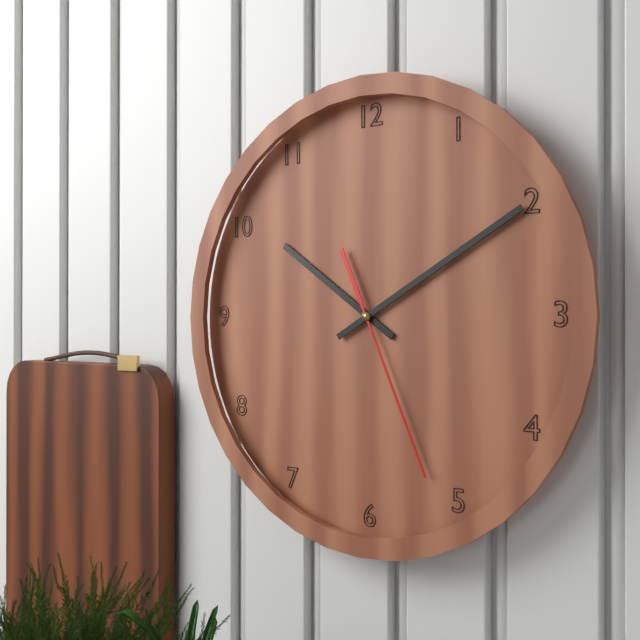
10:10:26
